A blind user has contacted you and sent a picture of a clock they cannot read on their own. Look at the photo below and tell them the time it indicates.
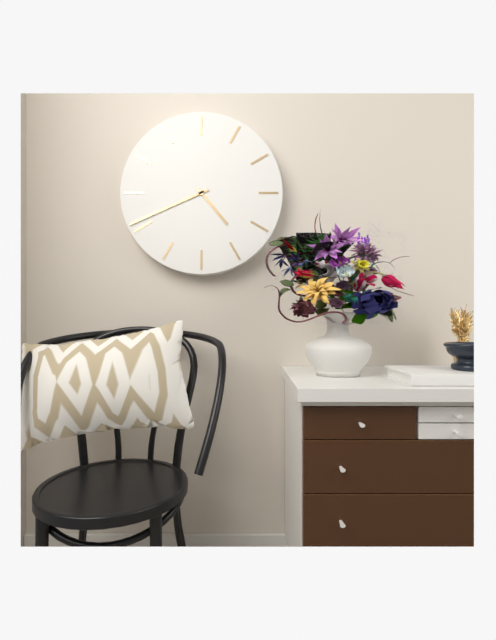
4:41
